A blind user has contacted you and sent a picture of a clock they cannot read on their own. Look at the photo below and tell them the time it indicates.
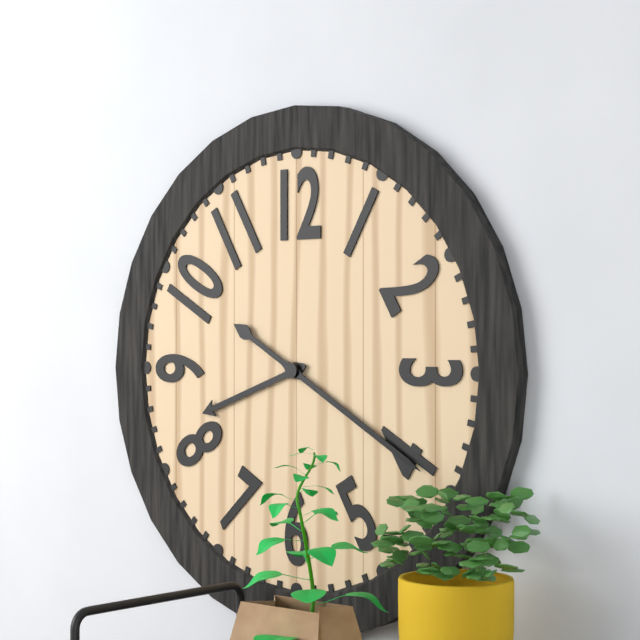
8:20
